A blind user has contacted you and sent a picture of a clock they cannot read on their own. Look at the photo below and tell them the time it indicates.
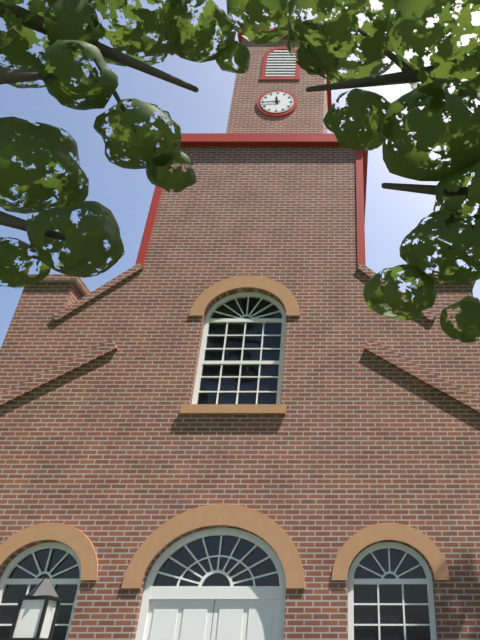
11:44
